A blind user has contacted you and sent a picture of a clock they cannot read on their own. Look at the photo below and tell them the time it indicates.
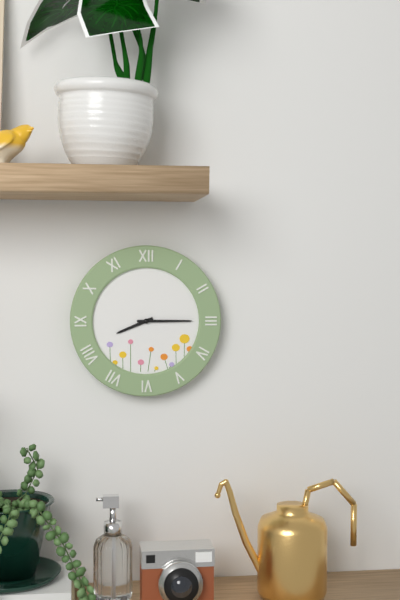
8:15
